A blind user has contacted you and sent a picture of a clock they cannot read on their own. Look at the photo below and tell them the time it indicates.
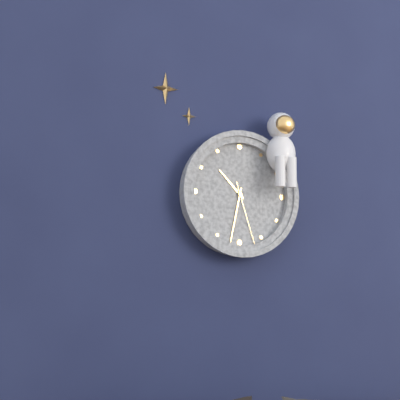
10:32:27
